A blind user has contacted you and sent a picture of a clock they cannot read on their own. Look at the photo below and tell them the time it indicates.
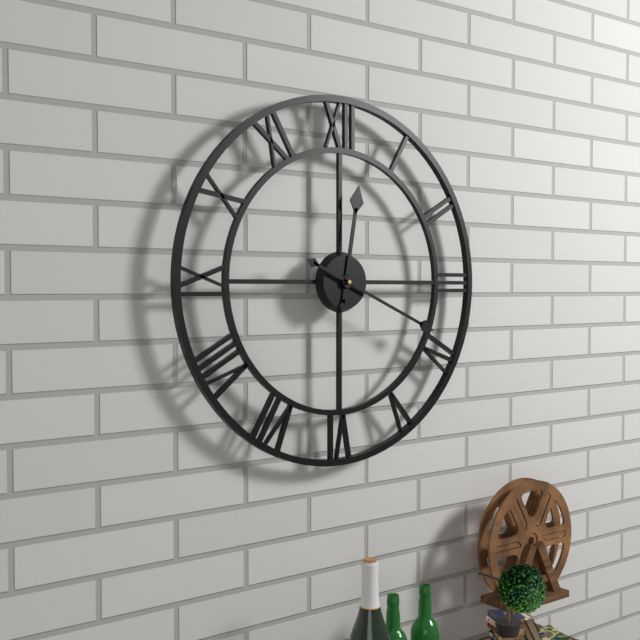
12:19
